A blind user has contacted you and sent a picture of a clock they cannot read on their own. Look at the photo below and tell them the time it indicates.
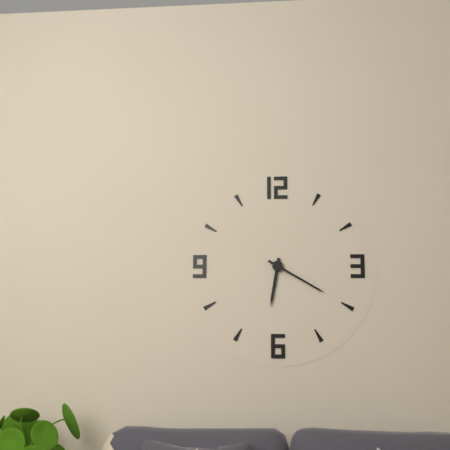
6:20
